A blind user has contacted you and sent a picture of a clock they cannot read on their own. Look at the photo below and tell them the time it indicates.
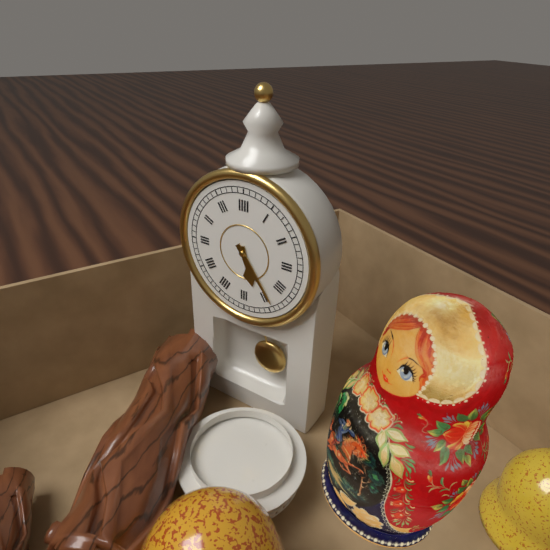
5:24
